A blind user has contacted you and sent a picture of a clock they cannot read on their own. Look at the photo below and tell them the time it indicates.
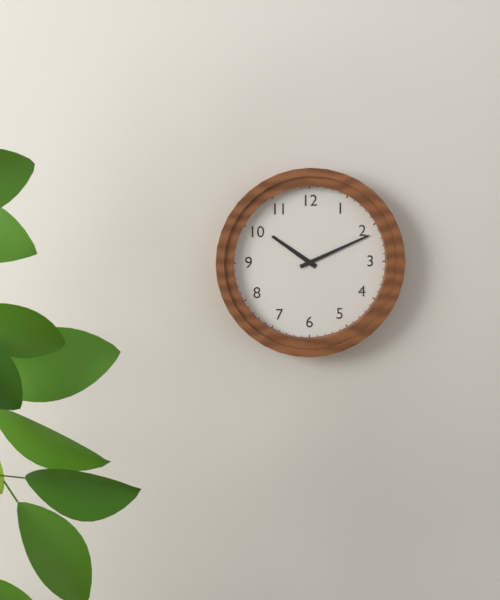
10:11
